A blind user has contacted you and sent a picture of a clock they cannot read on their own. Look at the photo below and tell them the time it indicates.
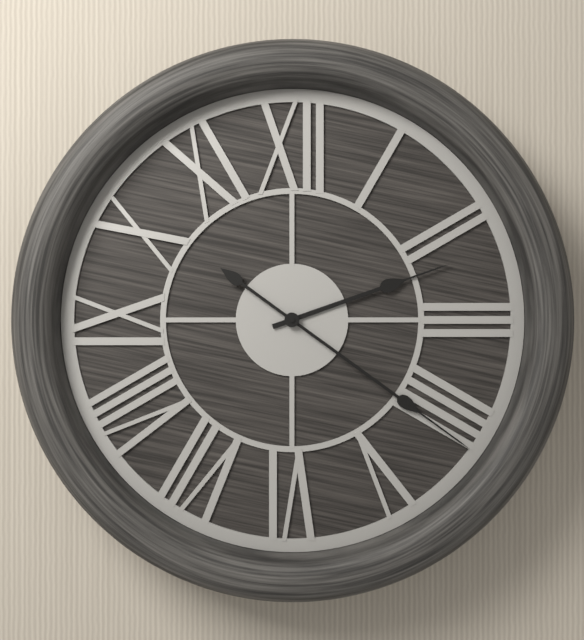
2:21
